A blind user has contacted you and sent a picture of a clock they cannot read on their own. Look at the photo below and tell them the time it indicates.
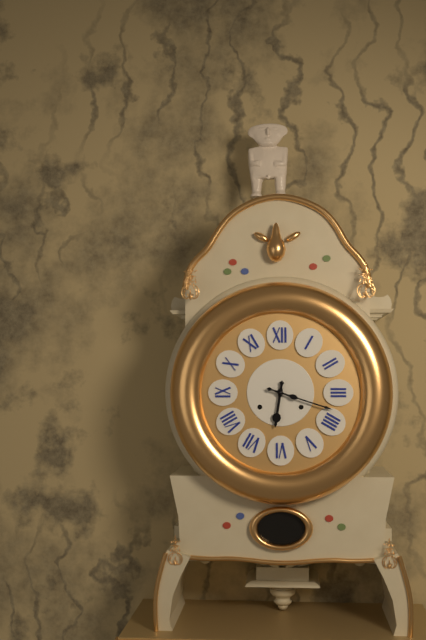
6:18
